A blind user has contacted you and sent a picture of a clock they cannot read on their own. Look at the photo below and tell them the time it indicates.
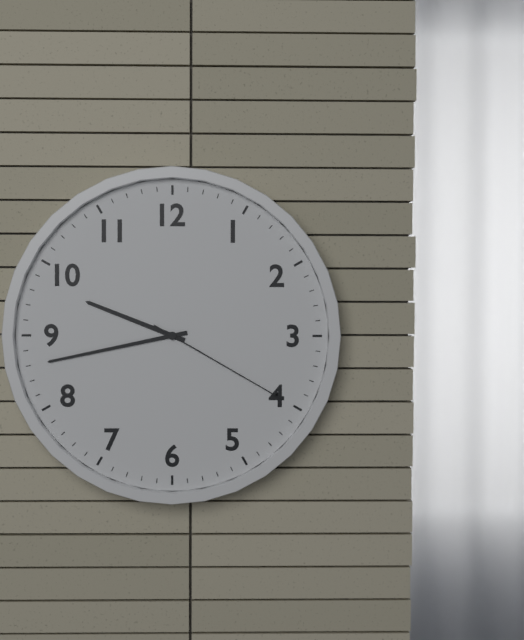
9:43:20
